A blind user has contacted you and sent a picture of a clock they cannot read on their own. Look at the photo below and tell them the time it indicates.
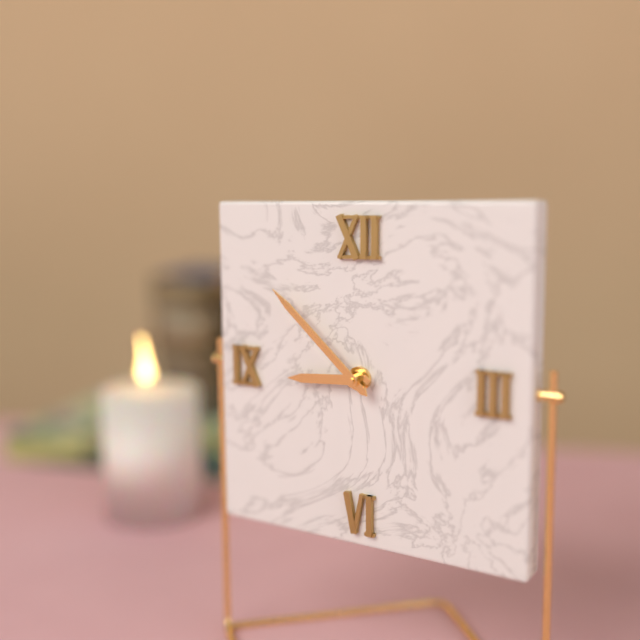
8:52
